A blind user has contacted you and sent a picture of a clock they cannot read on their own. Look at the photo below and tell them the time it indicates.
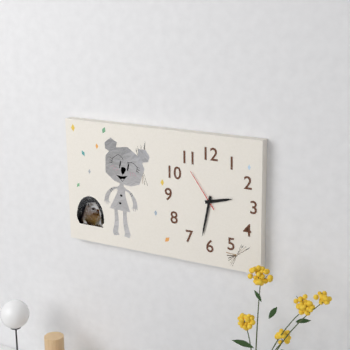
2:32
